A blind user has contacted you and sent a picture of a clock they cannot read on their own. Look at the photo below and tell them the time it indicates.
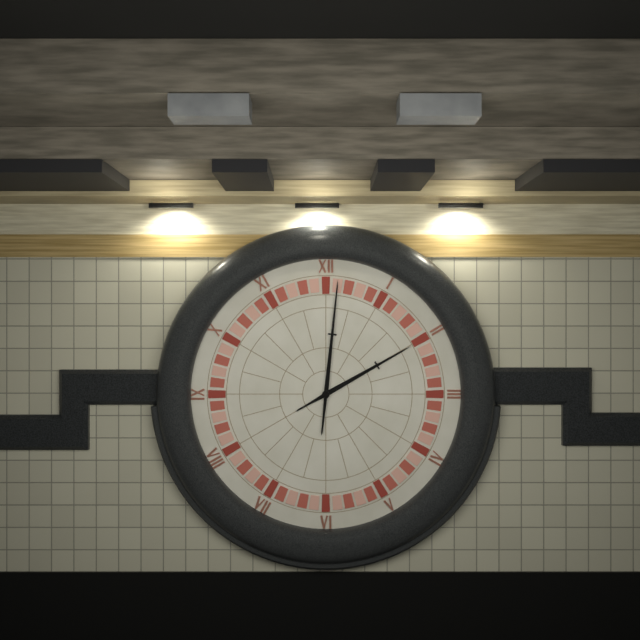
2:01
